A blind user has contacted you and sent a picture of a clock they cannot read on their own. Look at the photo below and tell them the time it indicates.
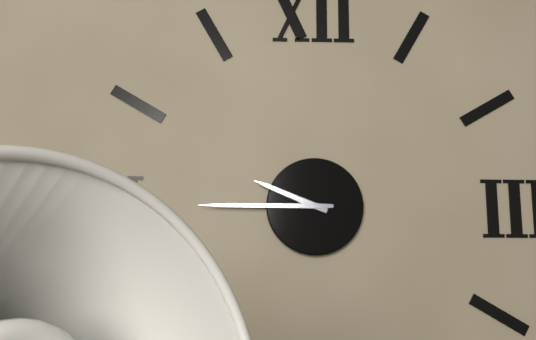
9:45
